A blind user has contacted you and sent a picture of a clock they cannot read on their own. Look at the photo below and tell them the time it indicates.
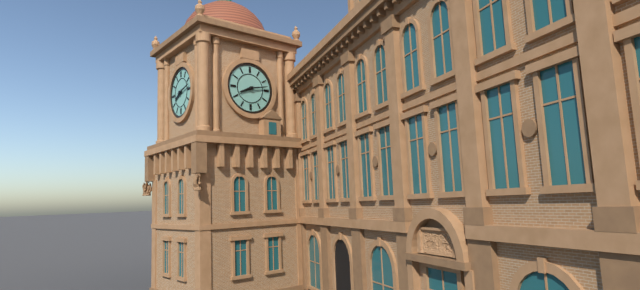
8:13
